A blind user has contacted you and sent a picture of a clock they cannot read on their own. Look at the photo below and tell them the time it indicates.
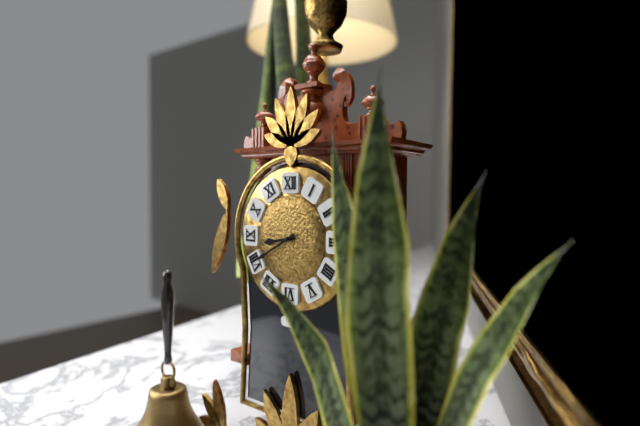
8:40
